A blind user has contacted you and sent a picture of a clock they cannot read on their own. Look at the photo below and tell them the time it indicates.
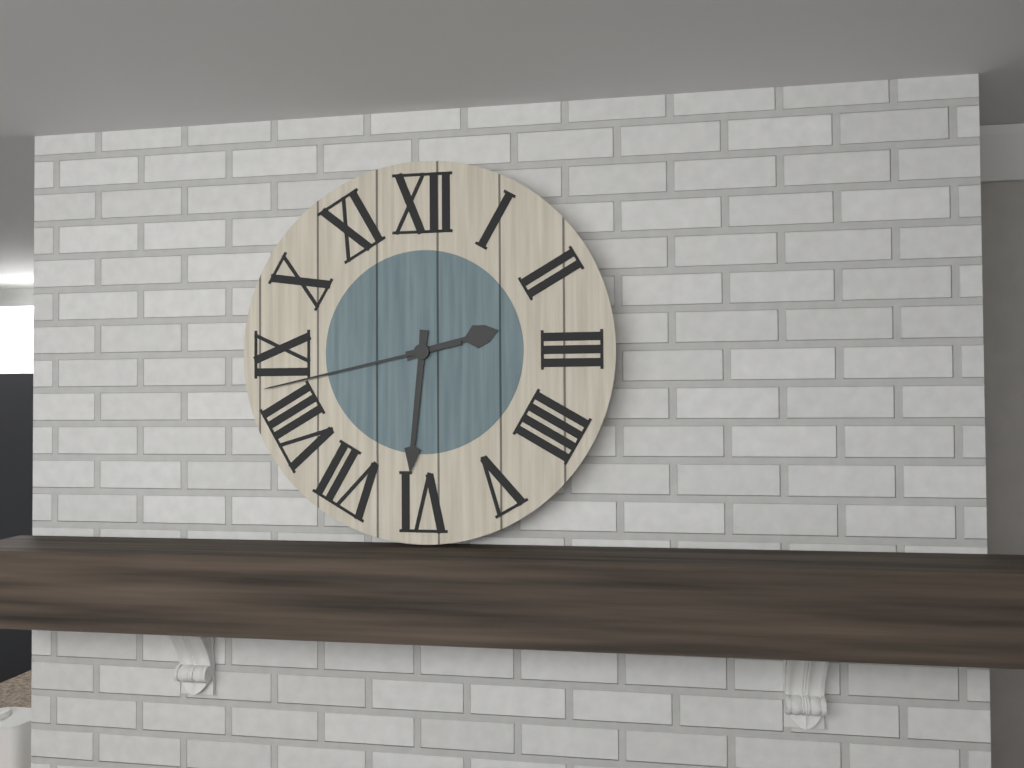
2:31:43
